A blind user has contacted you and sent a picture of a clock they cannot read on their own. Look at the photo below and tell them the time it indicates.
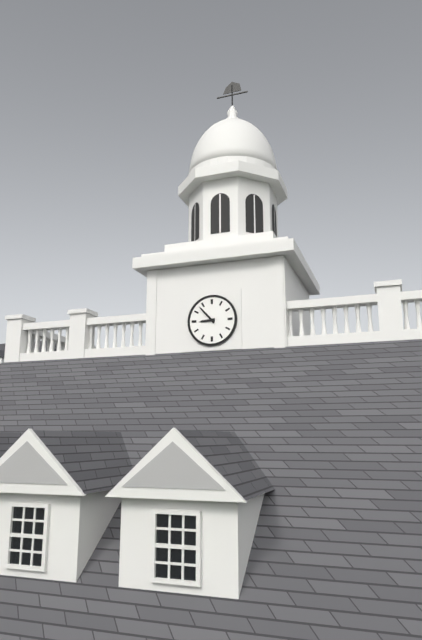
8:53
